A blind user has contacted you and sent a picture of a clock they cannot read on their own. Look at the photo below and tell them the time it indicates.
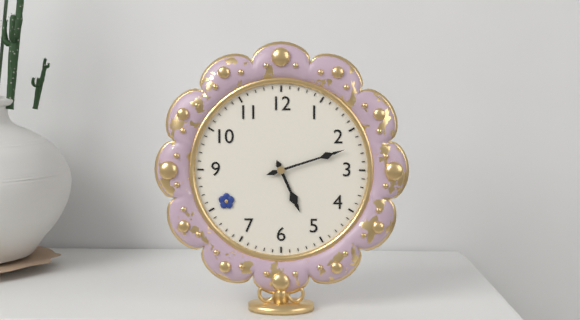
5:12
